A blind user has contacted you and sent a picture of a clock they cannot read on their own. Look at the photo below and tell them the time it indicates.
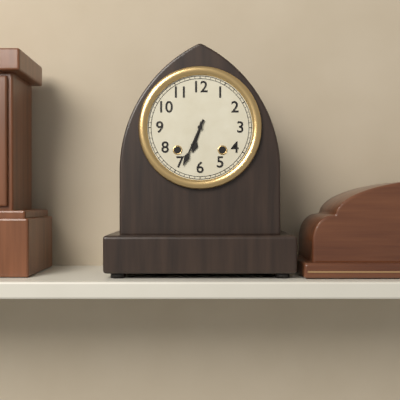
6:34
